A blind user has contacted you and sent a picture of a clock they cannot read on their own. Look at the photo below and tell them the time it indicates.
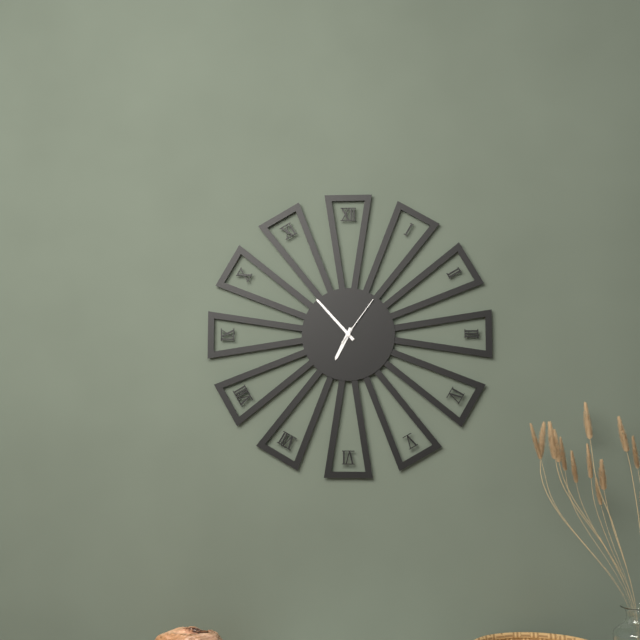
6:53:06
